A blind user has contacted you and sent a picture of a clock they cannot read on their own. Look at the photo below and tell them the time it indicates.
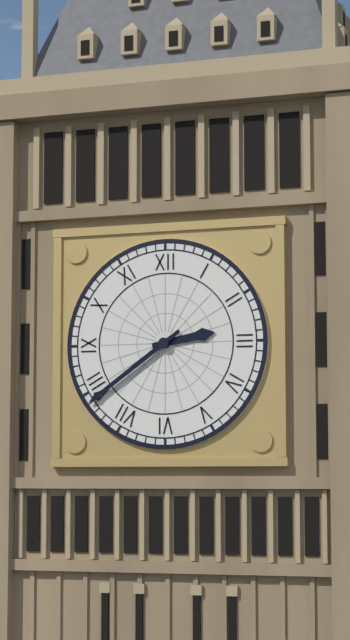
2:39
